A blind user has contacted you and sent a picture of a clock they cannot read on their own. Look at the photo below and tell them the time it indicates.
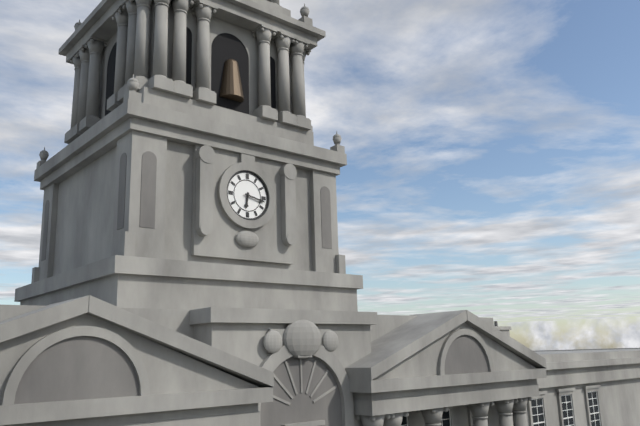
6:17
